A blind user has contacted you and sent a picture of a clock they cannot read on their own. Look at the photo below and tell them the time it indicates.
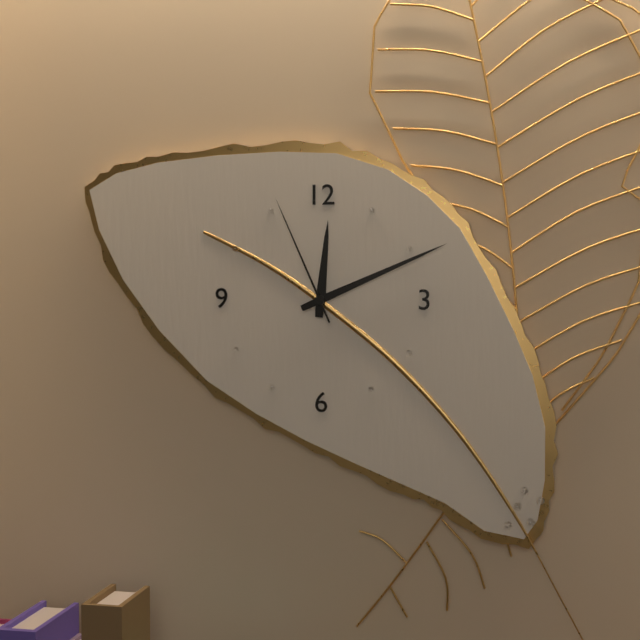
12:11:56
